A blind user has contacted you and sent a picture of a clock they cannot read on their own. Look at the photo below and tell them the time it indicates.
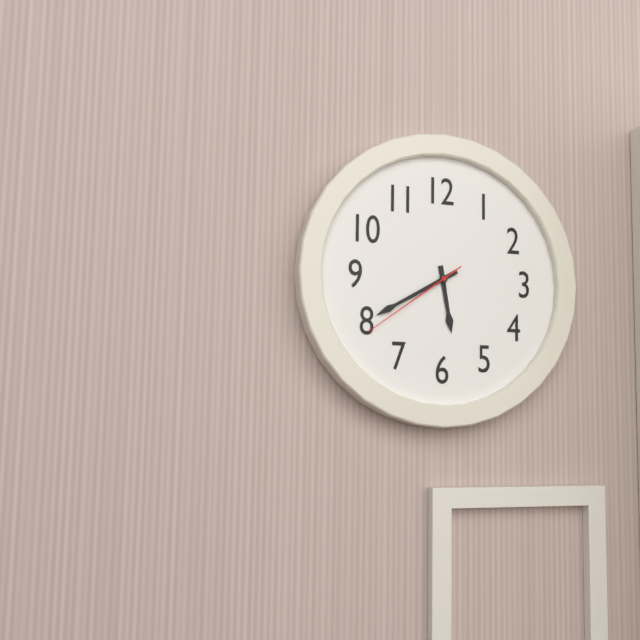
5:40:39
